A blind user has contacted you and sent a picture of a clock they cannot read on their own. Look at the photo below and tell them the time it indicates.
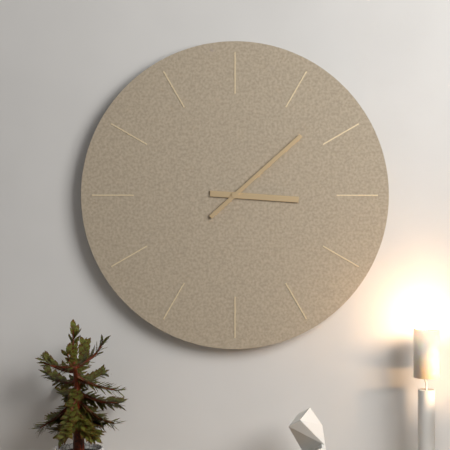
3:08
